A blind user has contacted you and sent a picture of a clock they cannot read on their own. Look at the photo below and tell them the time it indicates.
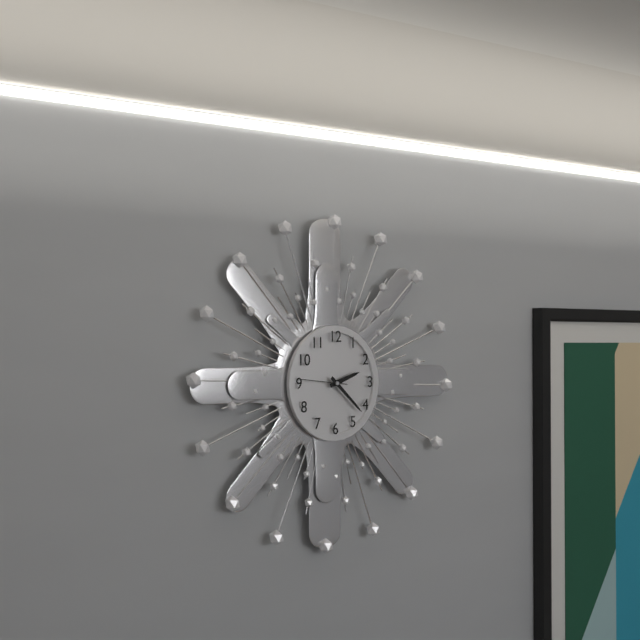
2:22
